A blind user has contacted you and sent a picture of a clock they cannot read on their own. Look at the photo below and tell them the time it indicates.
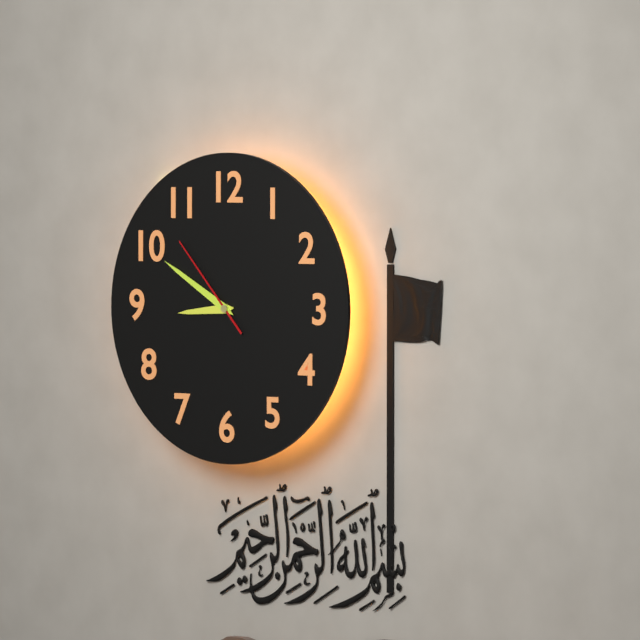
8:50:53
